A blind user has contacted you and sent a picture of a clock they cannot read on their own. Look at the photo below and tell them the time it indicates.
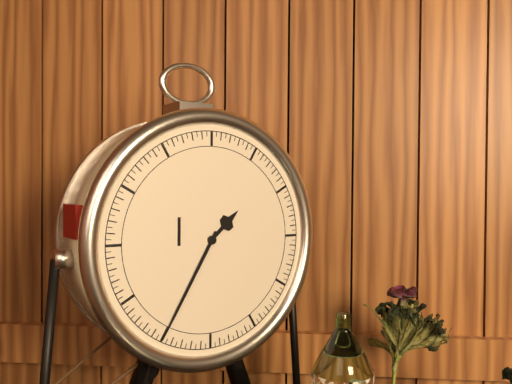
1:35
